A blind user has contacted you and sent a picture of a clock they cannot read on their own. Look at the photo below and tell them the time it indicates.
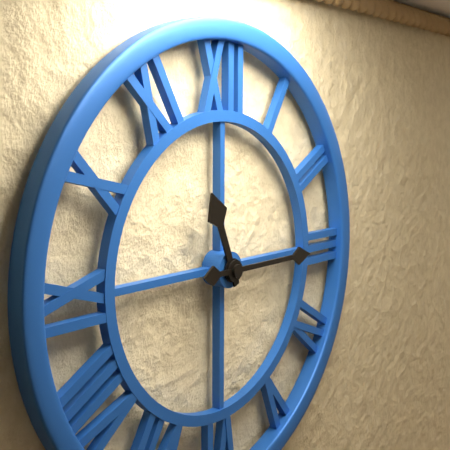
11:15
